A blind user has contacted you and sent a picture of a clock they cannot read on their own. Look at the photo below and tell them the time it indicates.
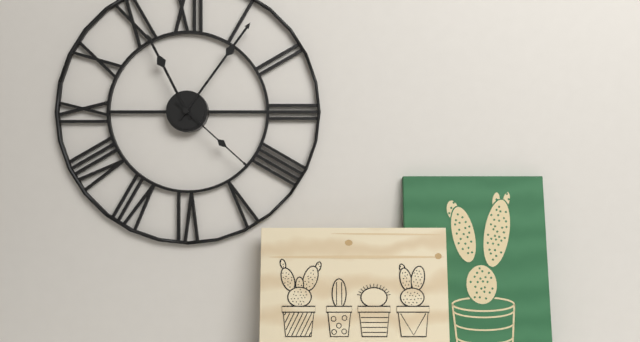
11:06:22
